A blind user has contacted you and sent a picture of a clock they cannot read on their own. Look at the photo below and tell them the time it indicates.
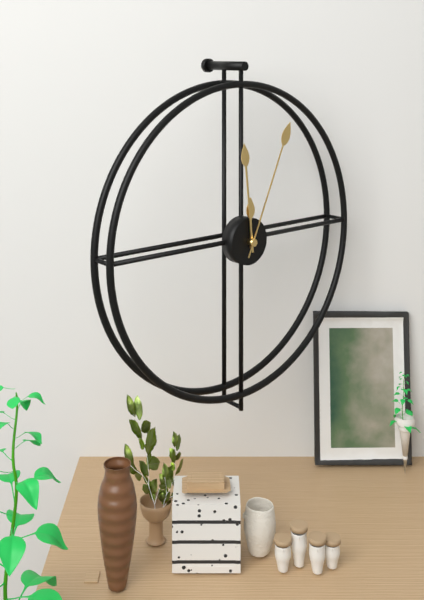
11:59:04
